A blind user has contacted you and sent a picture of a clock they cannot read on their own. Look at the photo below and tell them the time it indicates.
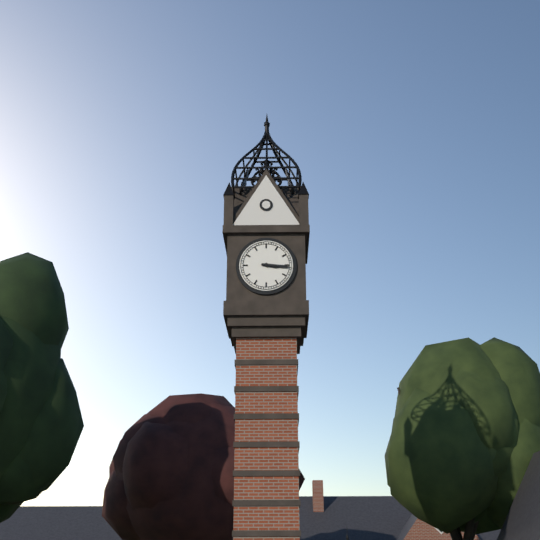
3:16
